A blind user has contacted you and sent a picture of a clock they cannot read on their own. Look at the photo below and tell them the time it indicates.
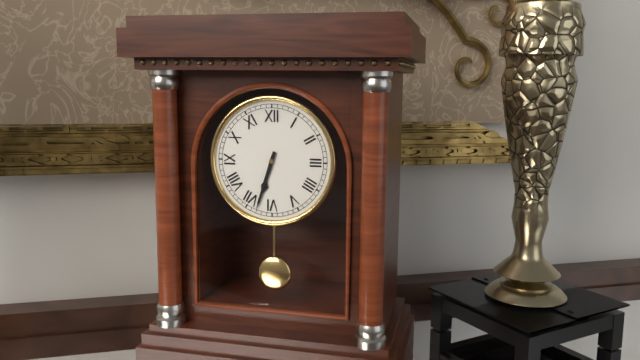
6:33
